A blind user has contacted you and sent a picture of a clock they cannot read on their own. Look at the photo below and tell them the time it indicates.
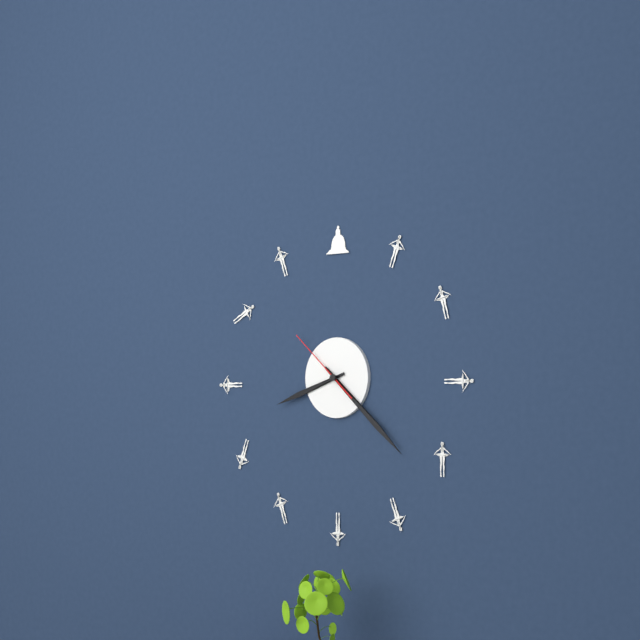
8:22:52
